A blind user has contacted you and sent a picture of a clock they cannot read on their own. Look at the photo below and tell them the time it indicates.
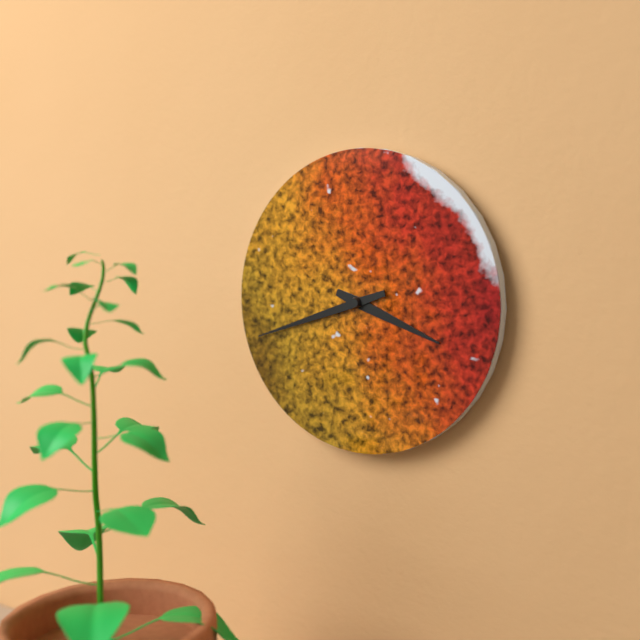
3:42
